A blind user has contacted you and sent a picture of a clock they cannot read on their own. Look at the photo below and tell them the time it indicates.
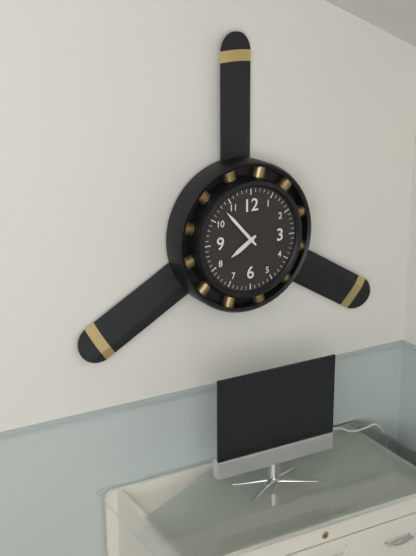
7:53
